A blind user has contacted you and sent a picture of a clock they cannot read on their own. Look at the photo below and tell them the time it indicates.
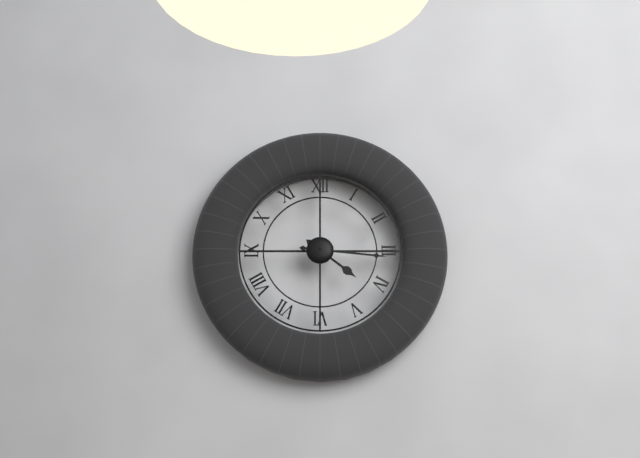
4:16
